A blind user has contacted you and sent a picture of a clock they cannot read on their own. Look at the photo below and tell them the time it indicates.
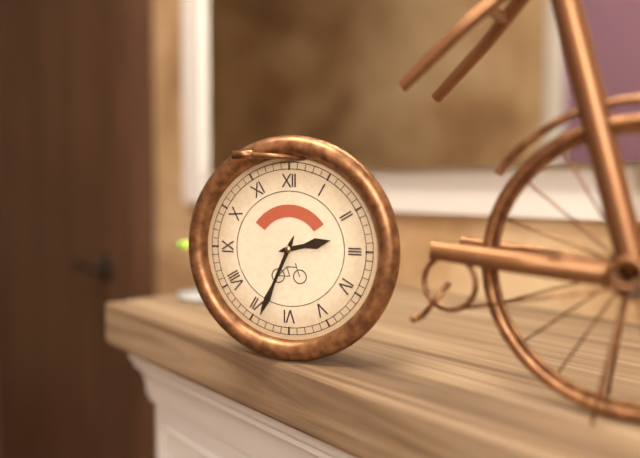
2:34
